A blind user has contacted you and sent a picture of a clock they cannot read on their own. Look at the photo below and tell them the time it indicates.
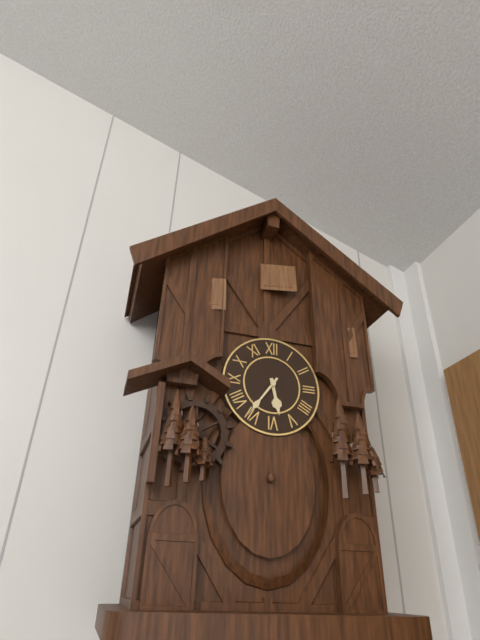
5:36
